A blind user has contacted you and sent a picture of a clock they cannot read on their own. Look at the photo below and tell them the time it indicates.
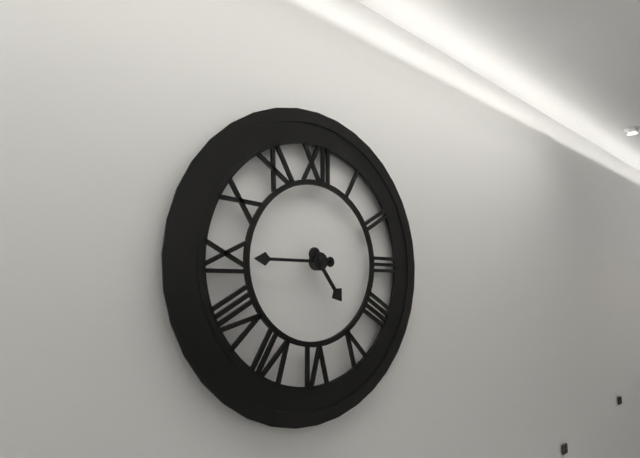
4:45
